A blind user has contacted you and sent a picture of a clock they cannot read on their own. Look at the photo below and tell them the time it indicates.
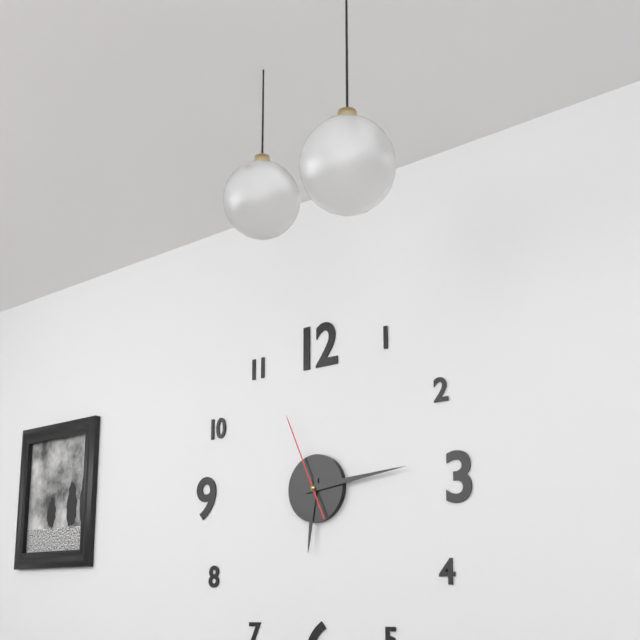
6:14:56
